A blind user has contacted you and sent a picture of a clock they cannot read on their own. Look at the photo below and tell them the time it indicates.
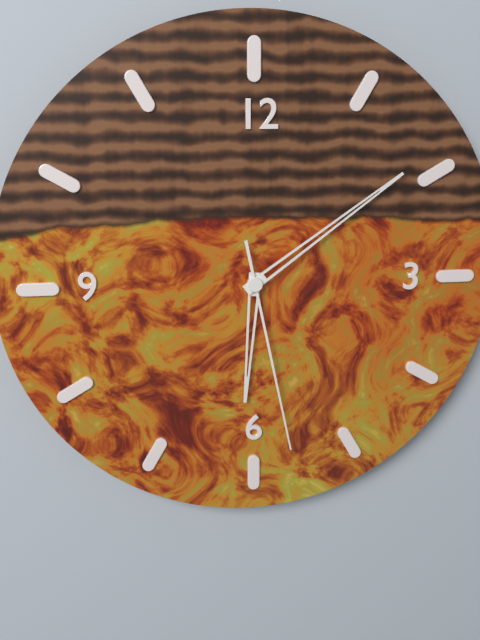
6:09:28
